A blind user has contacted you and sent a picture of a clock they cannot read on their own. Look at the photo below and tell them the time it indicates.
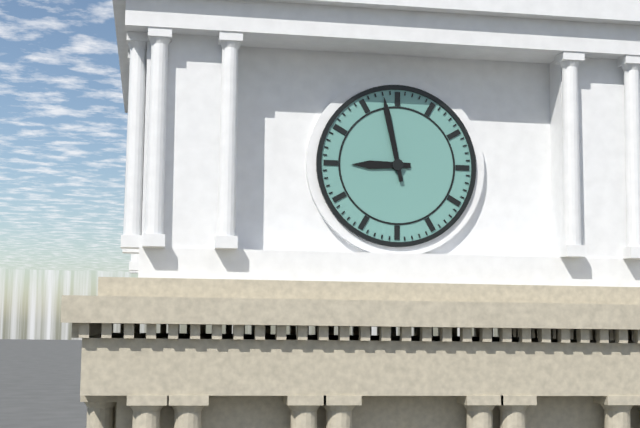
8:58
